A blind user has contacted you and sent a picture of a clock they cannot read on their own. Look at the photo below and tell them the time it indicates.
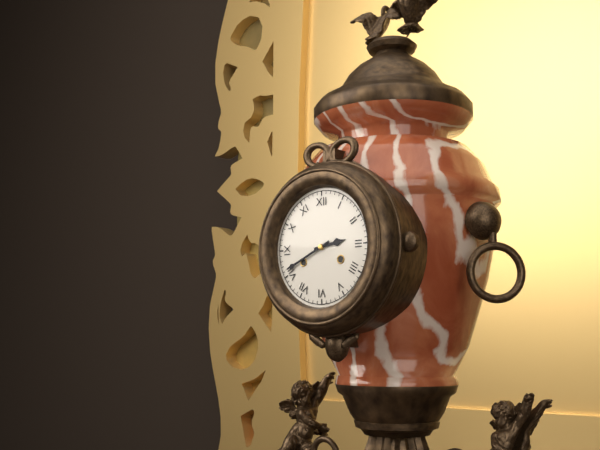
2:41
